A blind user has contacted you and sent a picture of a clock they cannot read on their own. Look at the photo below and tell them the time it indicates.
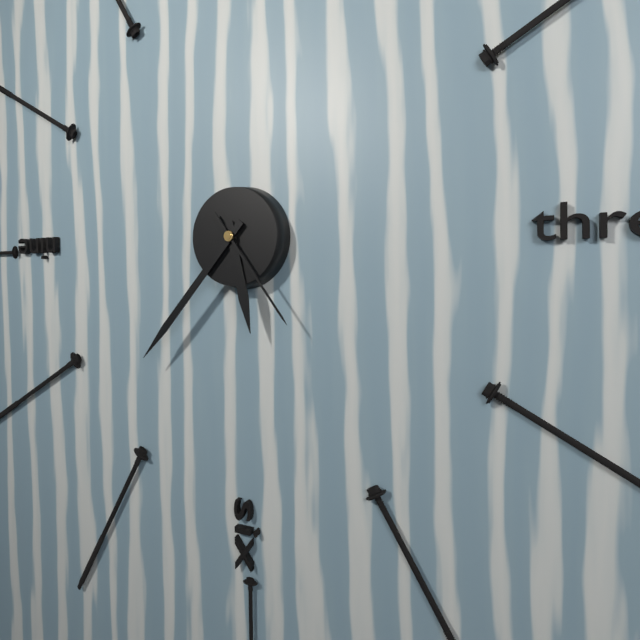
5:37:24
